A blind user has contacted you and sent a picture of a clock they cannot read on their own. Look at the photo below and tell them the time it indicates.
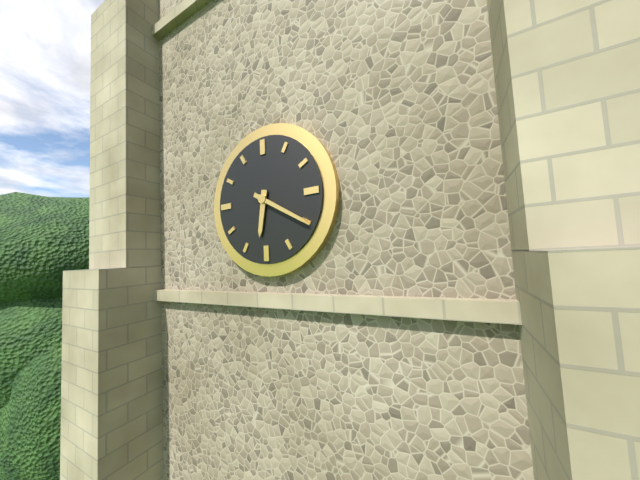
6:20
